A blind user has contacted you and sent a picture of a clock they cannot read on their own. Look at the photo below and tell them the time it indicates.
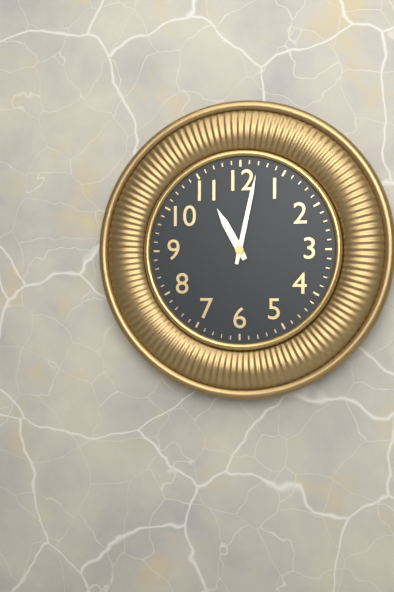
11:02
